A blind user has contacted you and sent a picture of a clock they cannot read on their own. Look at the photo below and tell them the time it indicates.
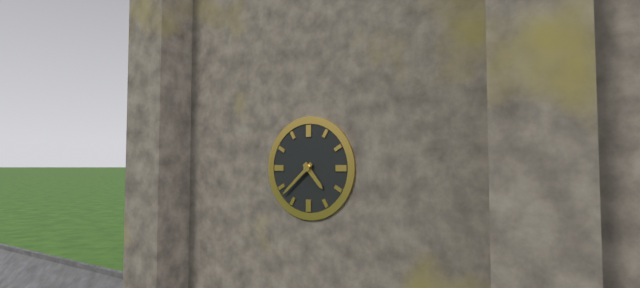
4:38
